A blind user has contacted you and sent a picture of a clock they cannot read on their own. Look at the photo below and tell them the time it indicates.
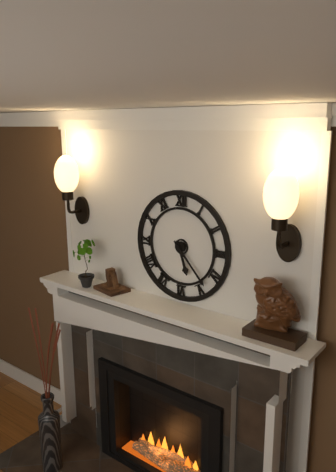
5:23
